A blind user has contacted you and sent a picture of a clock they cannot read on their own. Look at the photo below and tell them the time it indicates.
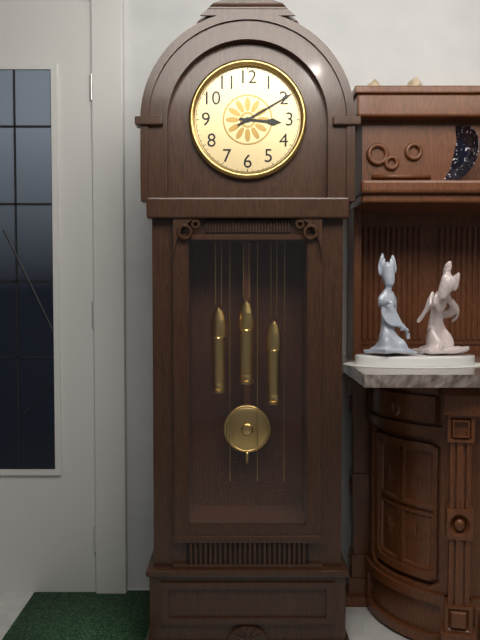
3:10
